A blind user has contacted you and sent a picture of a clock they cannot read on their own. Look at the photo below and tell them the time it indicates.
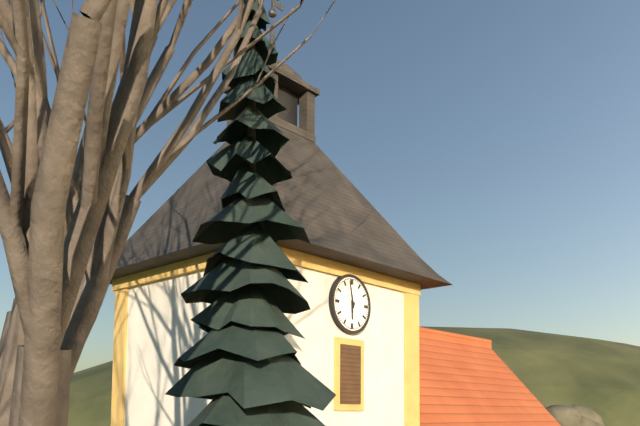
5:58
